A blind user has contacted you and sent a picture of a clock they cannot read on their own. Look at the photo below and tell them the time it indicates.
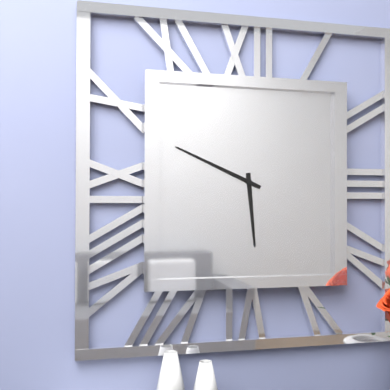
5:49
